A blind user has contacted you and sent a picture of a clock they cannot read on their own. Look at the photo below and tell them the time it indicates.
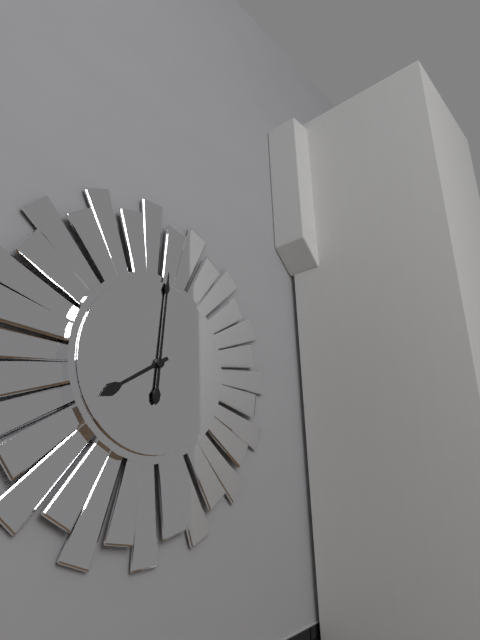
8:01
